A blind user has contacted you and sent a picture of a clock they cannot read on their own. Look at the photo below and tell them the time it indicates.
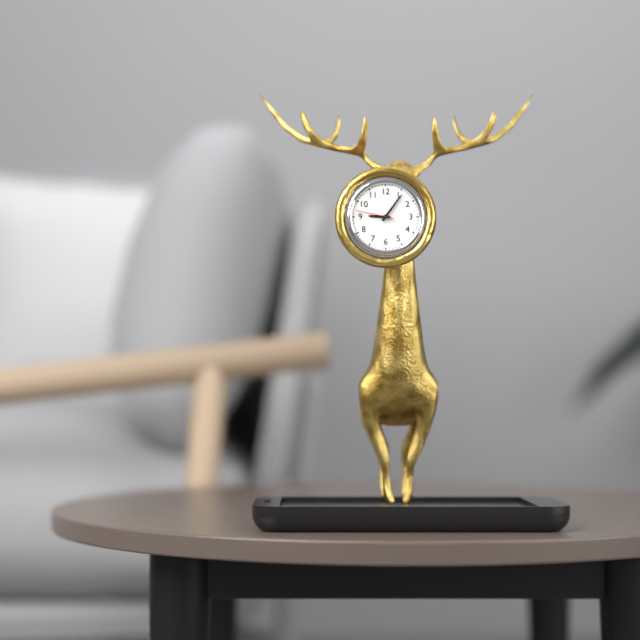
9:06
